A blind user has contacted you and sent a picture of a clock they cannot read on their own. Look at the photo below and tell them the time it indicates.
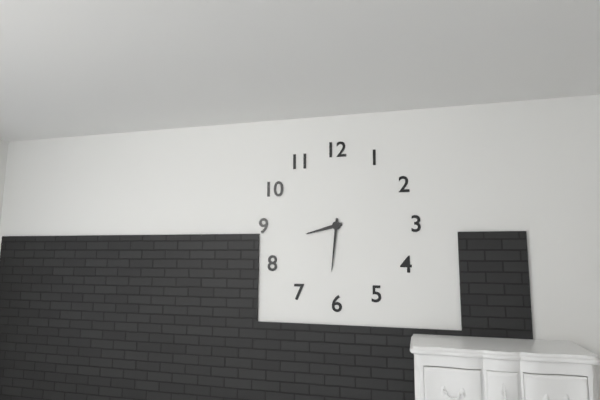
8:31
